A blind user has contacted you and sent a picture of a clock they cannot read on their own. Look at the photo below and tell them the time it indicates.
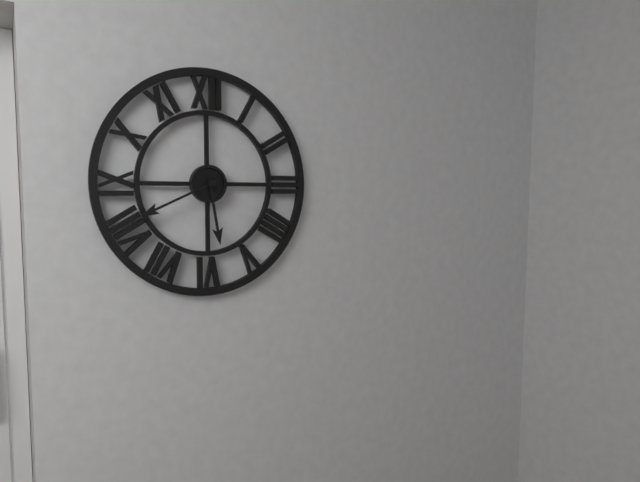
5:41
